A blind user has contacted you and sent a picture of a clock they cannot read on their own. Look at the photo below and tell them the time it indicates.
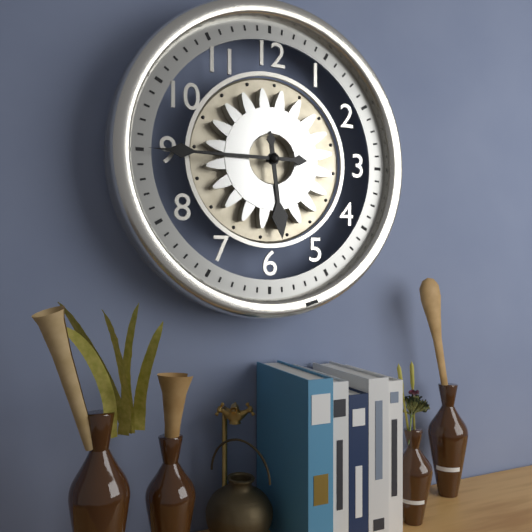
5:45
